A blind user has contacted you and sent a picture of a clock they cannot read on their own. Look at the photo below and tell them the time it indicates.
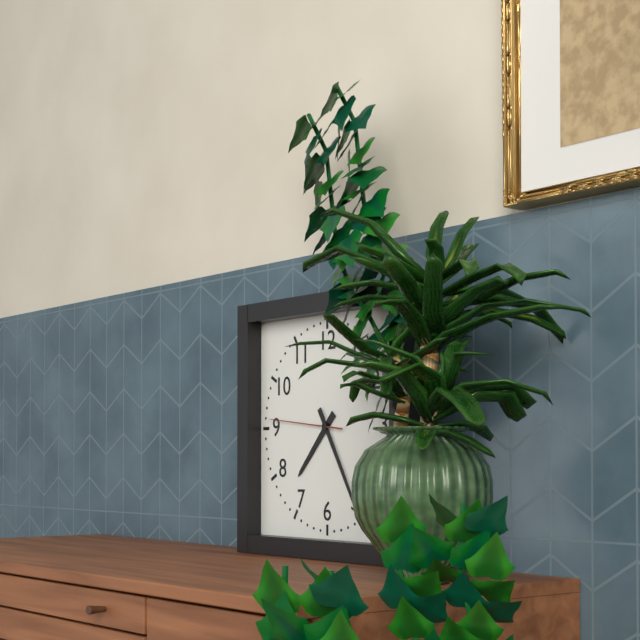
7:25:46
